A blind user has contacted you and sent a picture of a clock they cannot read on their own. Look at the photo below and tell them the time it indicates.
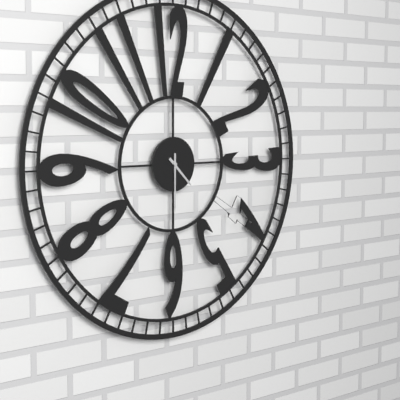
4:30
